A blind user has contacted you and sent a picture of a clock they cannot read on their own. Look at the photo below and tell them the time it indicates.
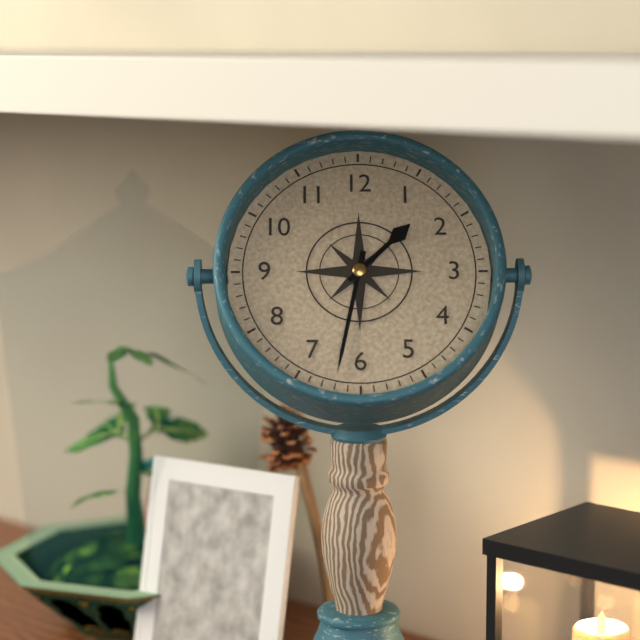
1:32
